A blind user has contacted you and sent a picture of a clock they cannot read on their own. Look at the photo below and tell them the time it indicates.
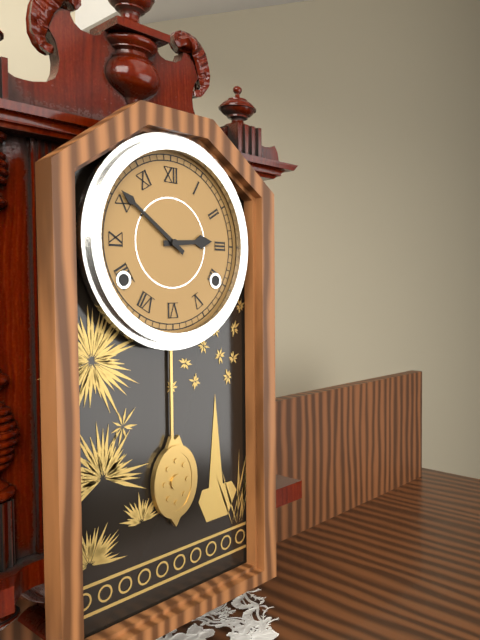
2:51
